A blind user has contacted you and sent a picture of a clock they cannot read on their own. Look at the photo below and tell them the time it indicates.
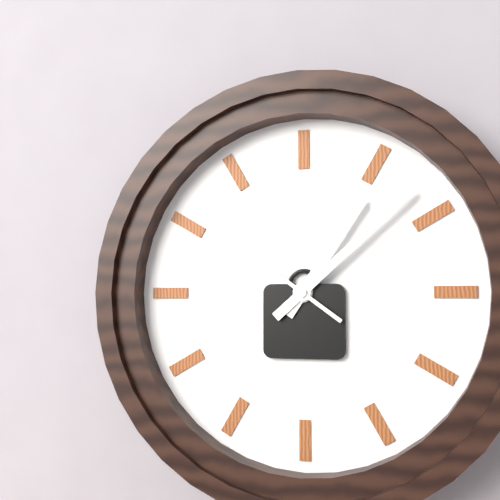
1:08:51
